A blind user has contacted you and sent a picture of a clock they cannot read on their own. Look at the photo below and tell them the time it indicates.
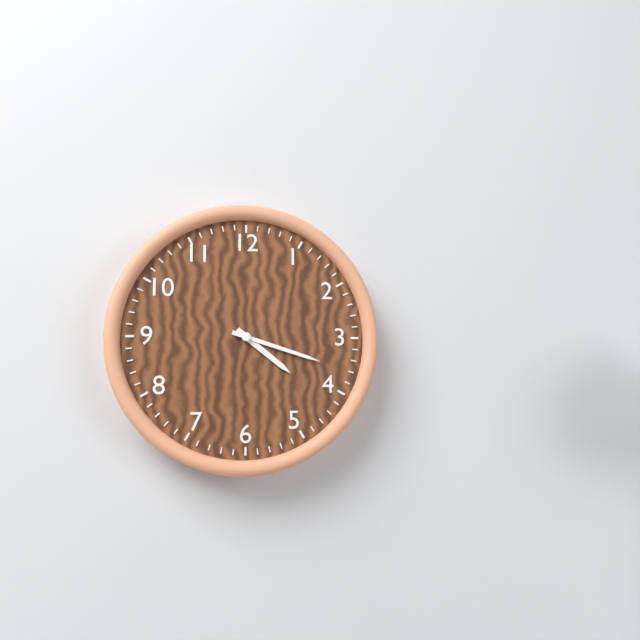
4:18
